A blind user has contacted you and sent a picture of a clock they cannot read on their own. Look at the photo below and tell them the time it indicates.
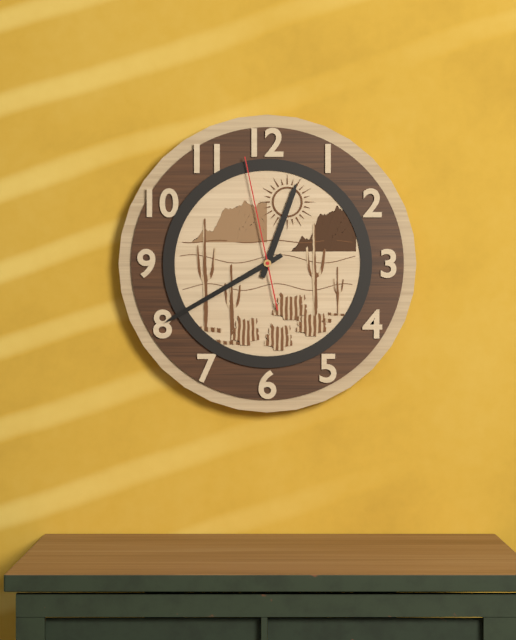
12:40:58
